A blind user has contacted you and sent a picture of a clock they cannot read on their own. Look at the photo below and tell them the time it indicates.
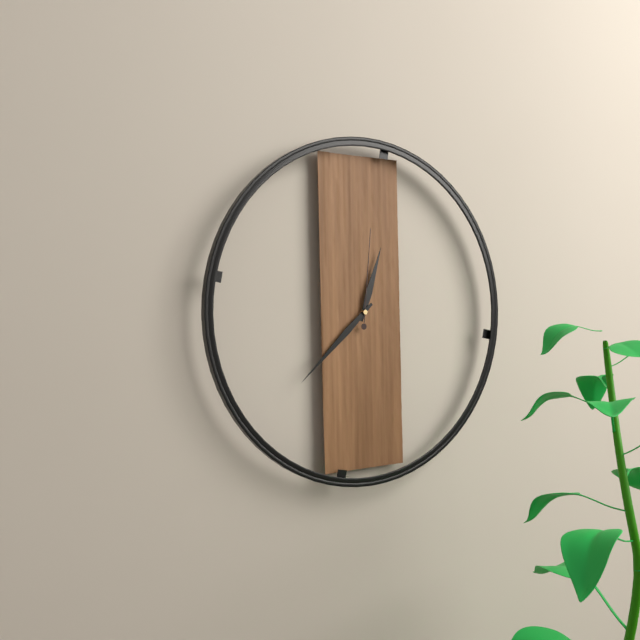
12:38:01
